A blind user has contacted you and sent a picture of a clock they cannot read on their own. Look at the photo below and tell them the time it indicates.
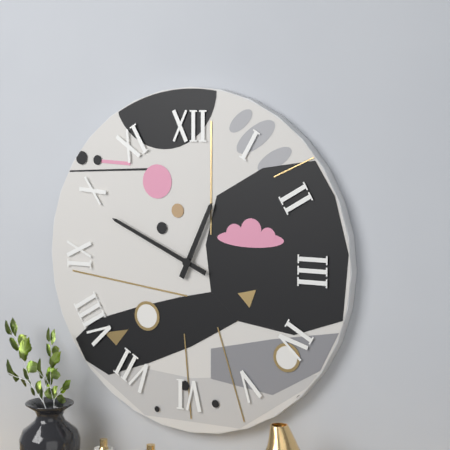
12:49
